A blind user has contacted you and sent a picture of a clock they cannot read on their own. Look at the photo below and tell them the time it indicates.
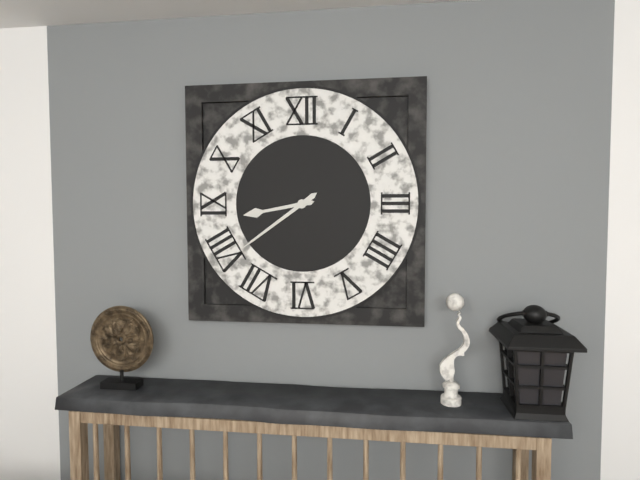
8:39
